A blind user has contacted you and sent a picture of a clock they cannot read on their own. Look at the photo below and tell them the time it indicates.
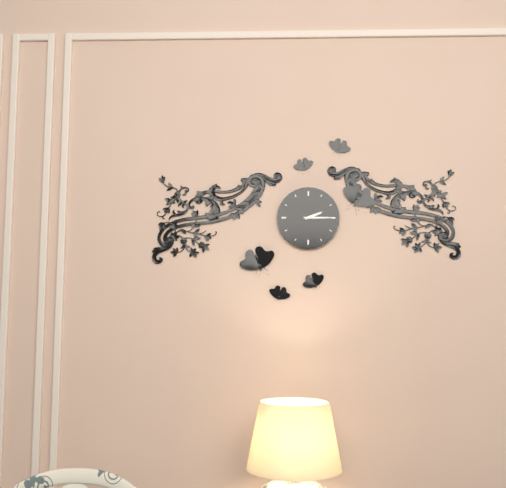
2:15
